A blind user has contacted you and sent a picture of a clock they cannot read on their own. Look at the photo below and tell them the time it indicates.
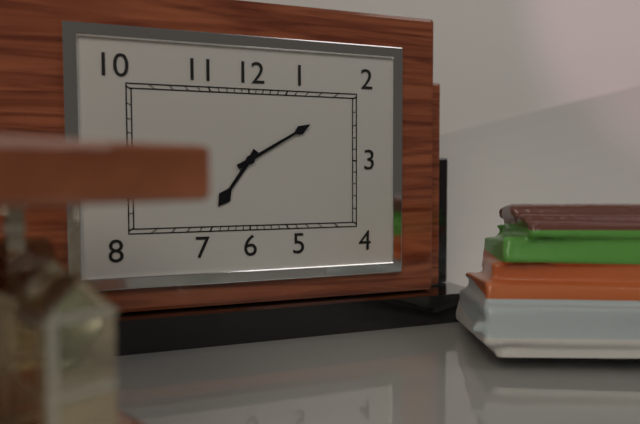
7:10
